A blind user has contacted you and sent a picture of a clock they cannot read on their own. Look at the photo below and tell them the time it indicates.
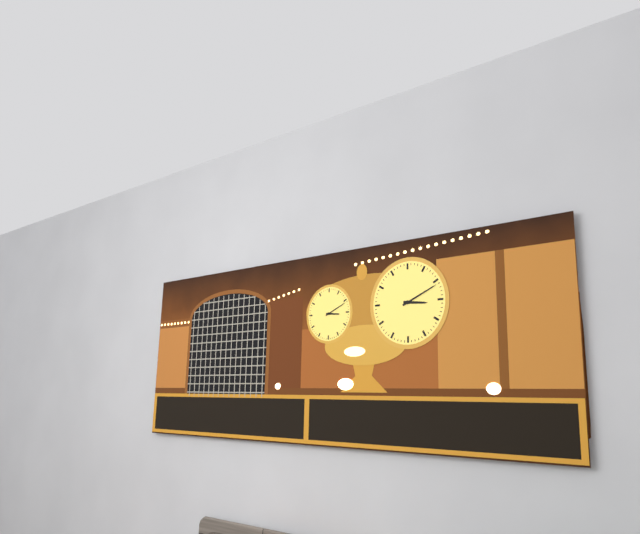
3:11
